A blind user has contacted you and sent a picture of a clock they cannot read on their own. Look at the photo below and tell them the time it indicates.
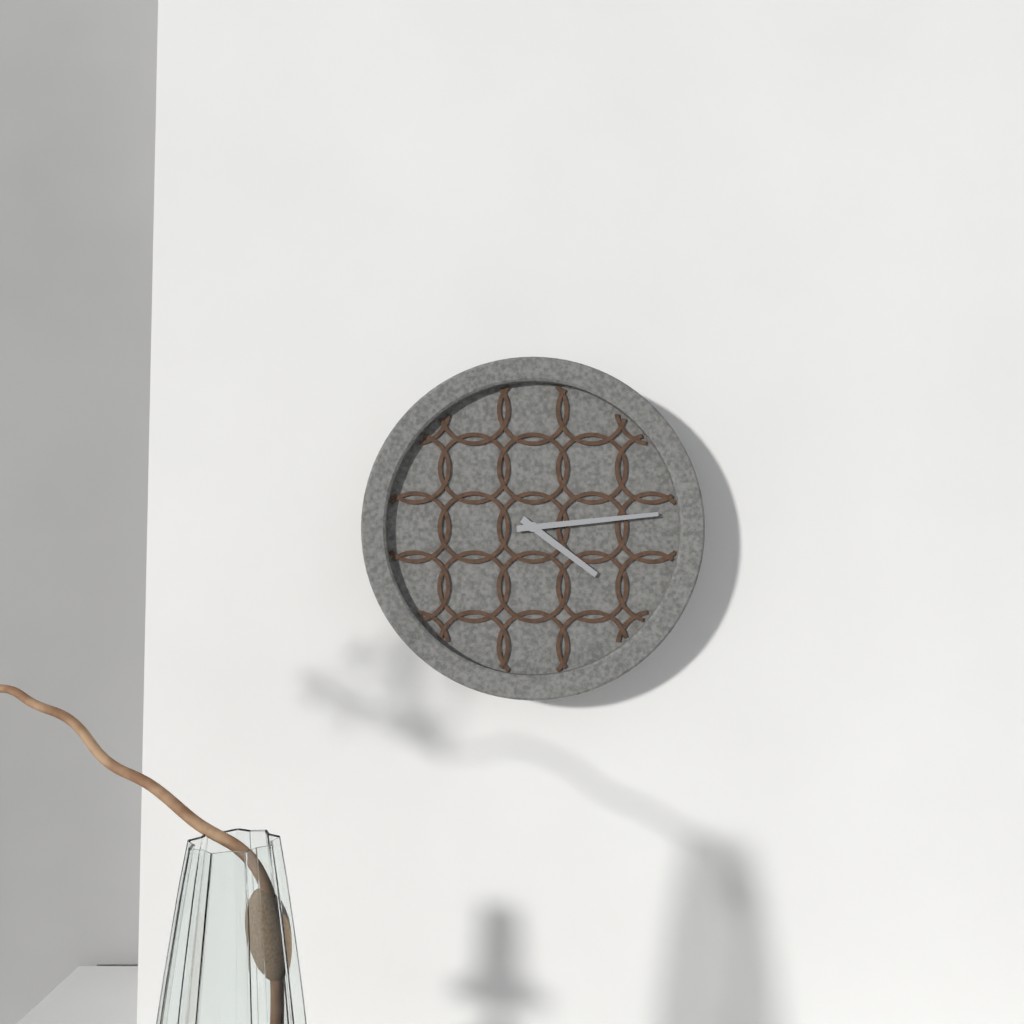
4:14
